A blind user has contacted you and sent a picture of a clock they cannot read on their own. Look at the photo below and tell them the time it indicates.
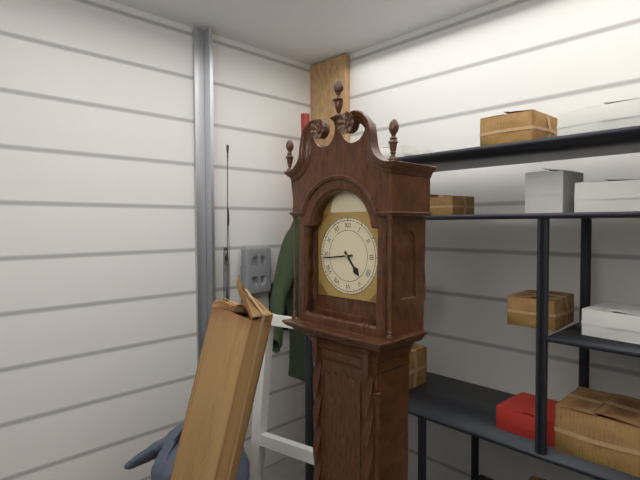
4:44
